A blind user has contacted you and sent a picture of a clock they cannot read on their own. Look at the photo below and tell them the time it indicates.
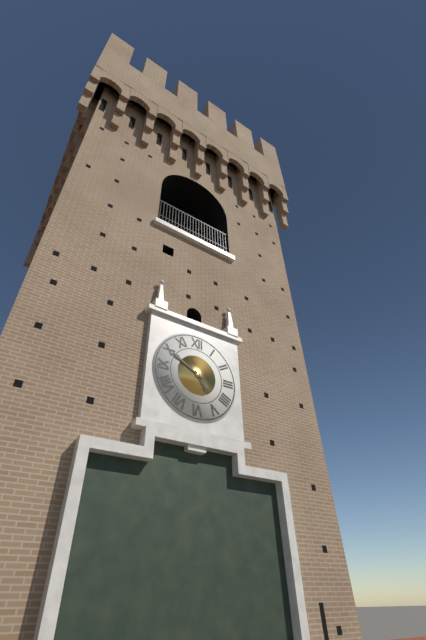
4:50
